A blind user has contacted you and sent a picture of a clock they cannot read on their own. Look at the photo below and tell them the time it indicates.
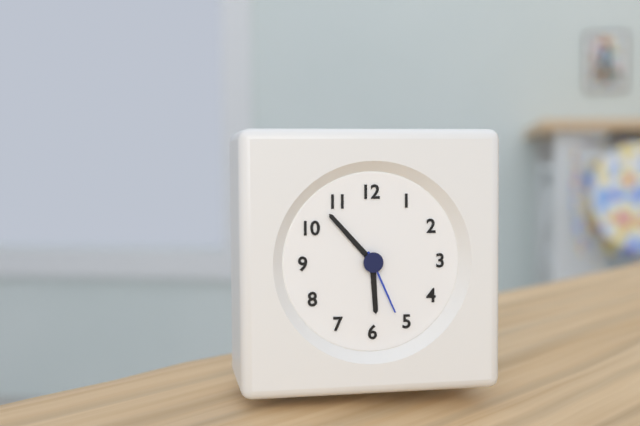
5:53:26
